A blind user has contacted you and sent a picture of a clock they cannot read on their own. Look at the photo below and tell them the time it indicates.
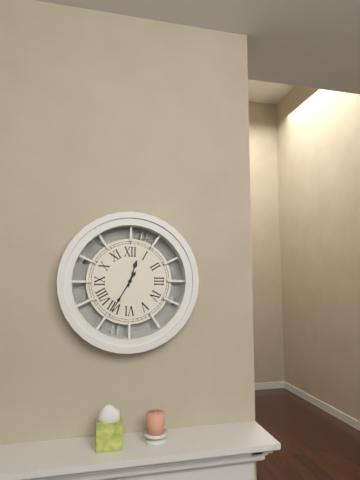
12:35
